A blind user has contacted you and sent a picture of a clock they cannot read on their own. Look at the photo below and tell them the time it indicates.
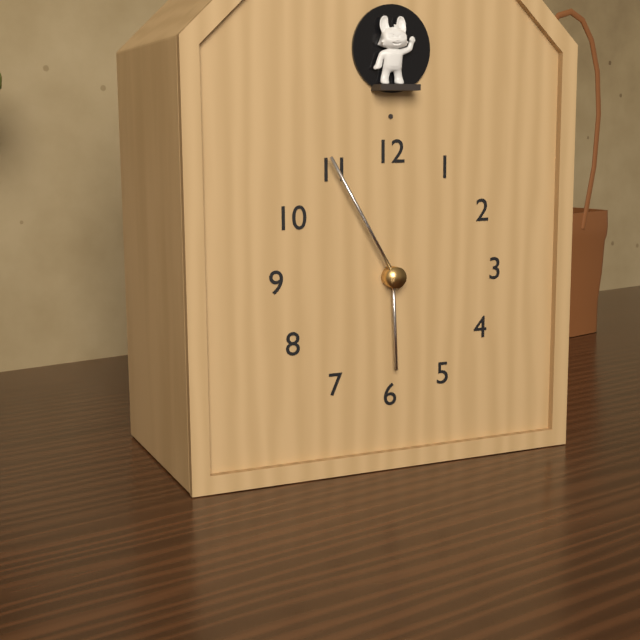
5:55
